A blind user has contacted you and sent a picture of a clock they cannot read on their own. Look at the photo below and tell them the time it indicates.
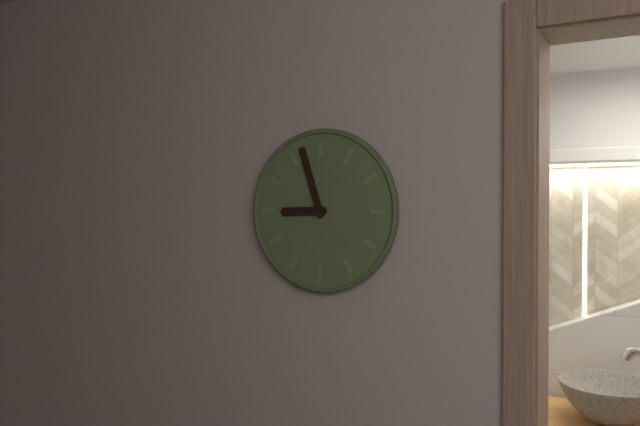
8:57
